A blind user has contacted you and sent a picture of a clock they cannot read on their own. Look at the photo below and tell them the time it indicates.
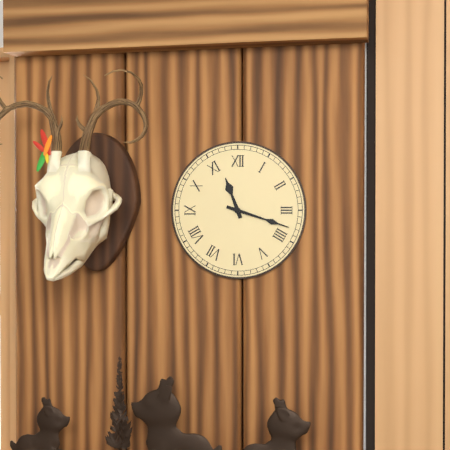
11:18
